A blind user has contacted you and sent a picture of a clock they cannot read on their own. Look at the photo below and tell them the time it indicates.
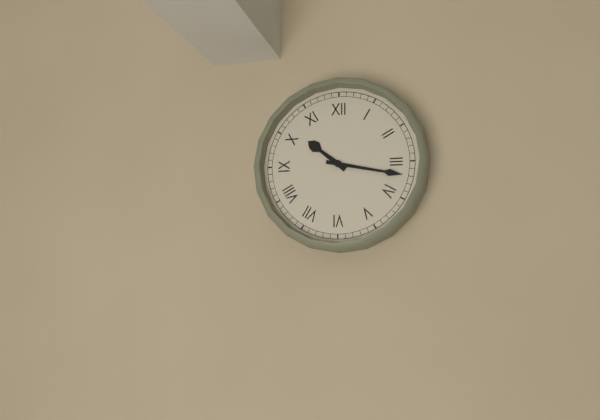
10:17
